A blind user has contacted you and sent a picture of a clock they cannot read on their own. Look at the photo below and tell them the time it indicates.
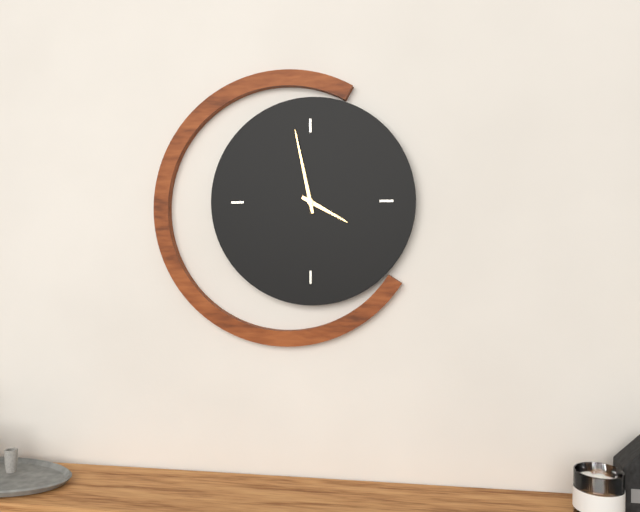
3:58
